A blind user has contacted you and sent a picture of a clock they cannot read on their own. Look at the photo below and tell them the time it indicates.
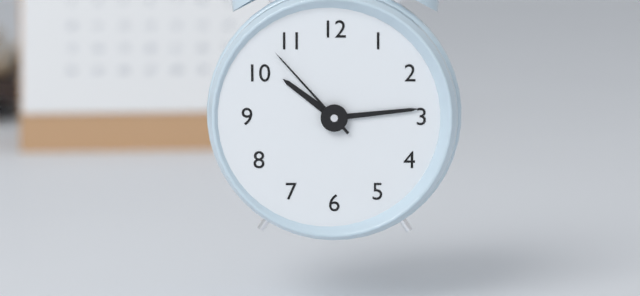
10:14:53
